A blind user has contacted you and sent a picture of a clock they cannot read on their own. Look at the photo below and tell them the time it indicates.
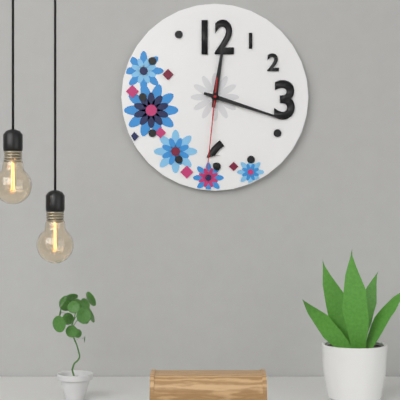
12:18:31
